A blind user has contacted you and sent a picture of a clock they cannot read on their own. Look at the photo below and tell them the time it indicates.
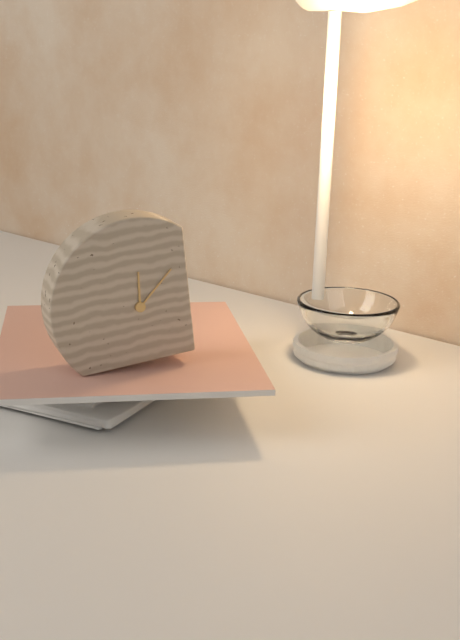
12:08
